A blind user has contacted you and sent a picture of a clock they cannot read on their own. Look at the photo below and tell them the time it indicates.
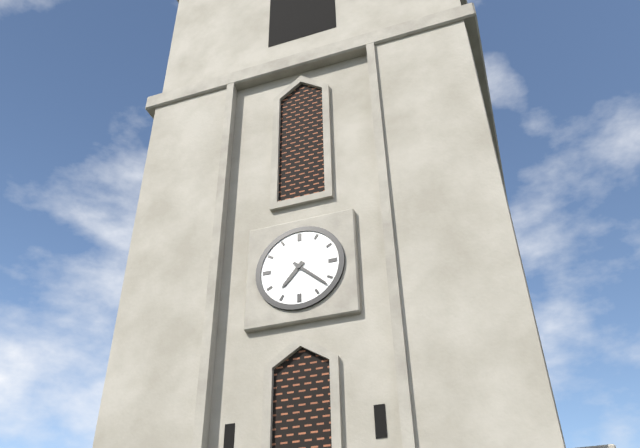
7:22
